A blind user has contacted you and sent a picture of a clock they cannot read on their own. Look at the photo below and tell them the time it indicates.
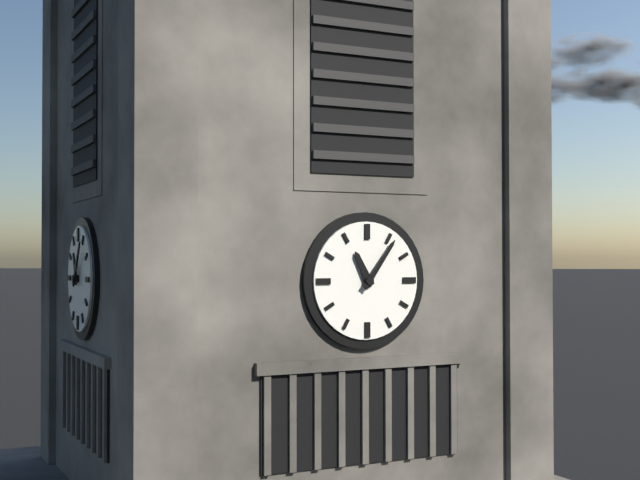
11:06
